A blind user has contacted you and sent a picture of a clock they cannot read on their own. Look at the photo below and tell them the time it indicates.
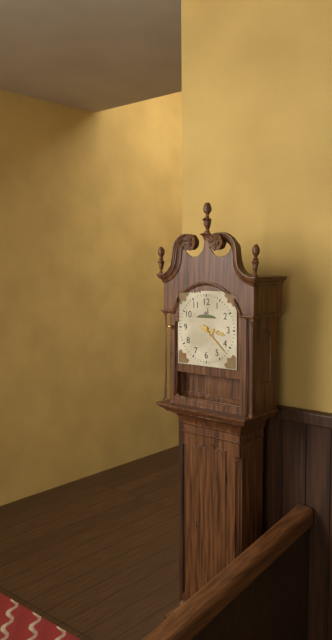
3:22
